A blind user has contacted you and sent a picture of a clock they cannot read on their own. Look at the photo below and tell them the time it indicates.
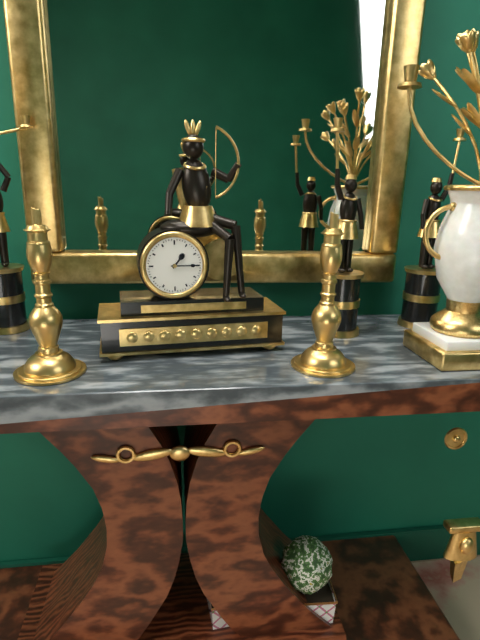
1:15
